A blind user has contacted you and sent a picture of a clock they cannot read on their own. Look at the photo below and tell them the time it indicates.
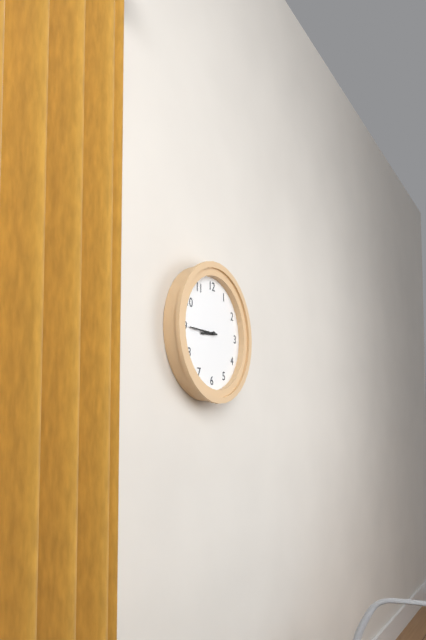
8:45
